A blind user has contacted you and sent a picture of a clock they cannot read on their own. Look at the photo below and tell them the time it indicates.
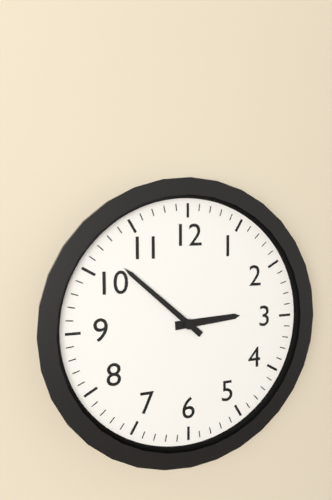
2:52
